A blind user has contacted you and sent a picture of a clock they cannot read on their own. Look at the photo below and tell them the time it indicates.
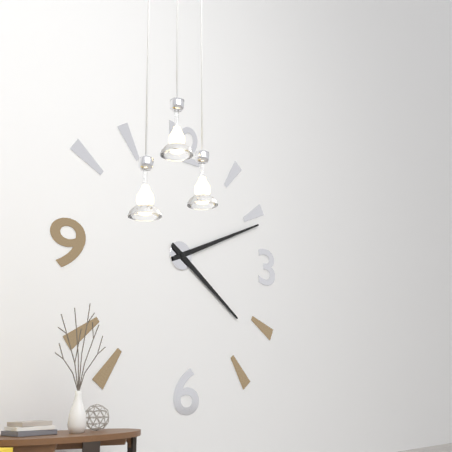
4:11
